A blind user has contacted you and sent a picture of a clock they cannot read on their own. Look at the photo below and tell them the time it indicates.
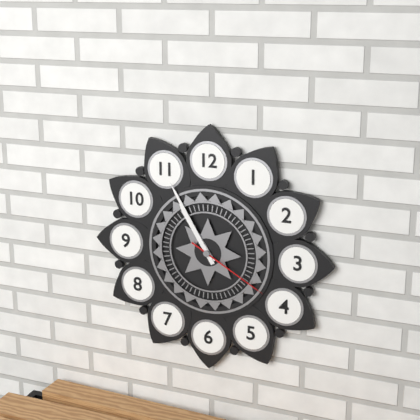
10:55:20
